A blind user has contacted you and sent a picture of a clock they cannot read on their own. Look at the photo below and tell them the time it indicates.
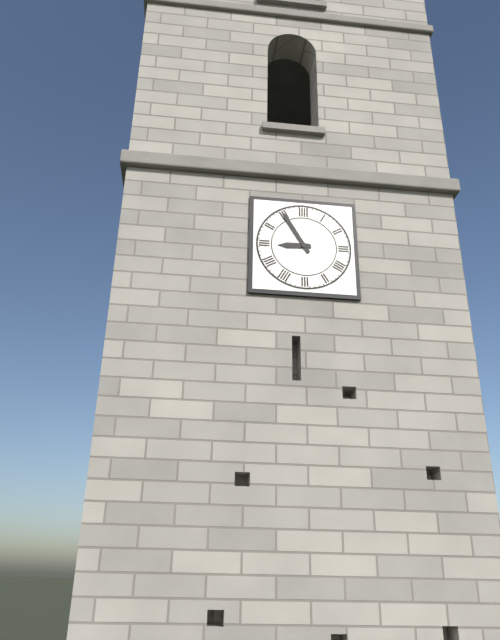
8:55
